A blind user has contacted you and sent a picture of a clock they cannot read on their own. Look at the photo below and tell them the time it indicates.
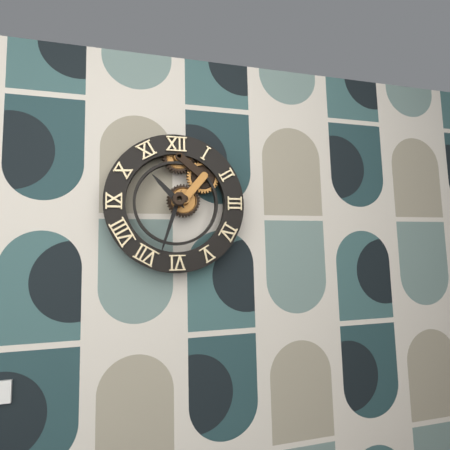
10:33
